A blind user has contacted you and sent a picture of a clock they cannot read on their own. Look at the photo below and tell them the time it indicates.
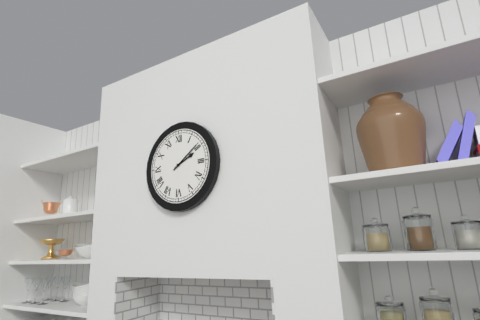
2:09
